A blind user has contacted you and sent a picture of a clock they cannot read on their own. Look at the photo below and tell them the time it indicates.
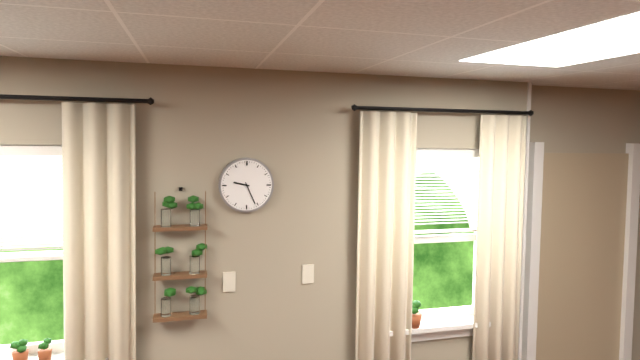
9:26
